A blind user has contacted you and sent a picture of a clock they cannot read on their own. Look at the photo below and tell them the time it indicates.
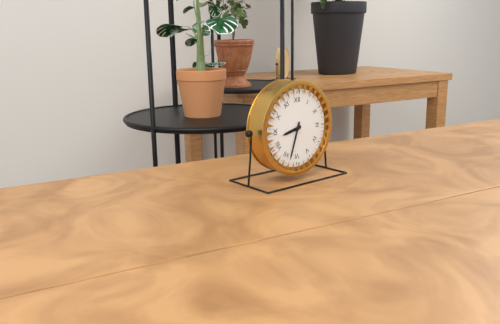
8:33
